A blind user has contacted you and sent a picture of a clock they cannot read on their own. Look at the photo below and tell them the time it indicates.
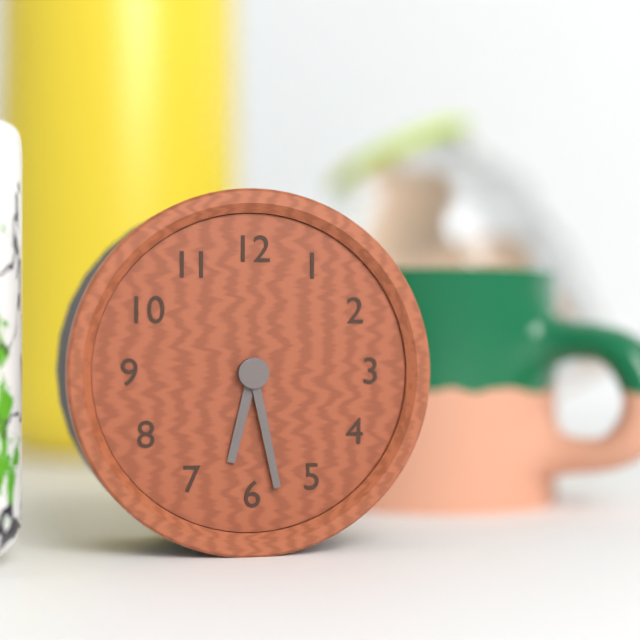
6:28
